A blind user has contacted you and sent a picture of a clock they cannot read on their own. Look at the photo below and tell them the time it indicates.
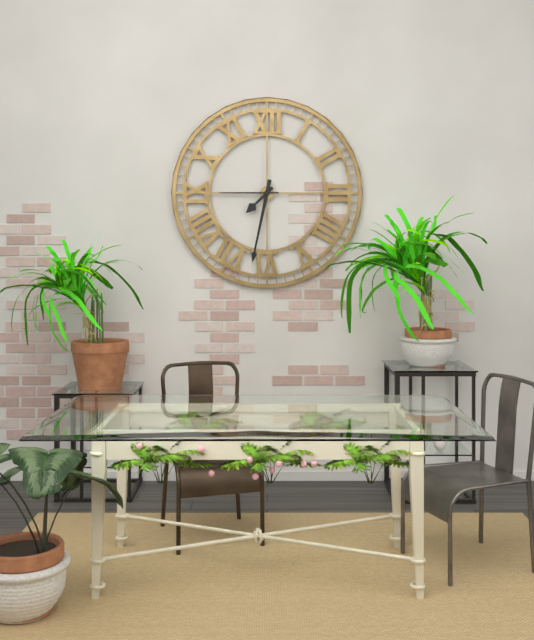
7:32:45
